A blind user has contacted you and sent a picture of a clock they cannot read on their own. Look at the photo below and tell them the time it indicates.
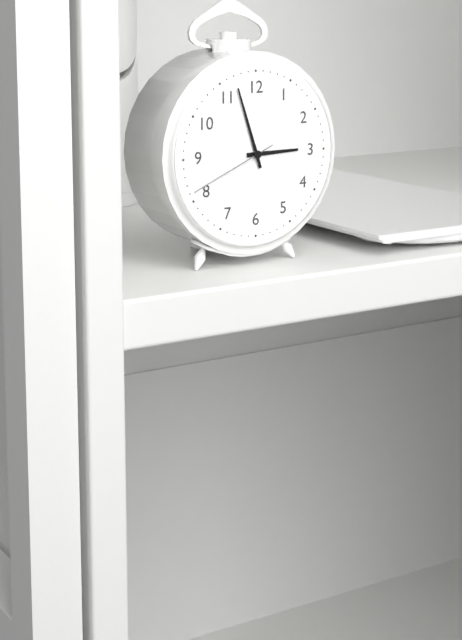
2:57:41
